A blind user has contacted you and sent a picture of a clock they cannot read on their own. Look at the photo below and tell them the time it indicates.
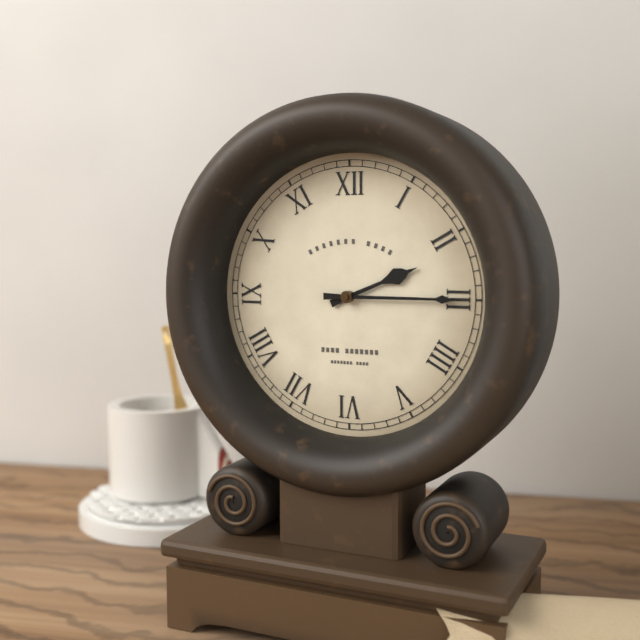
2:15
